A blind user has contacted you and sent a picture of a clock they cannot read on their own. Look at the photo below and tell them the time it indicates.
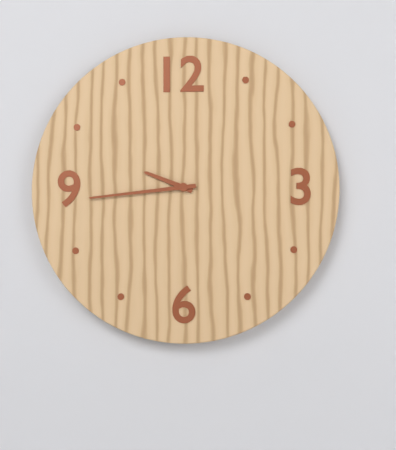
9:44
